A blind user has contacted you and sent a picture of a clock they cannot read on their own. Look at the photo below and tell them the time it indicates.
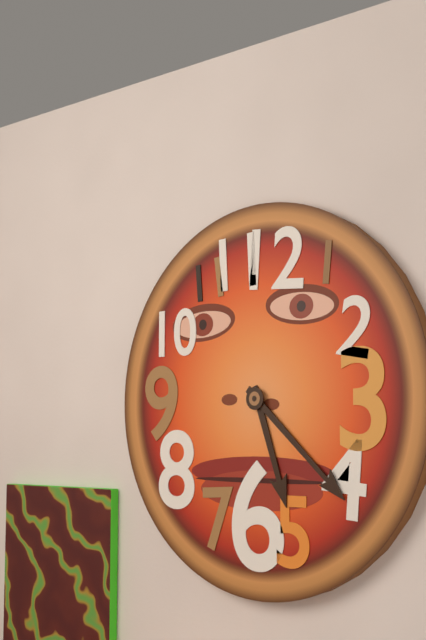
5:22
